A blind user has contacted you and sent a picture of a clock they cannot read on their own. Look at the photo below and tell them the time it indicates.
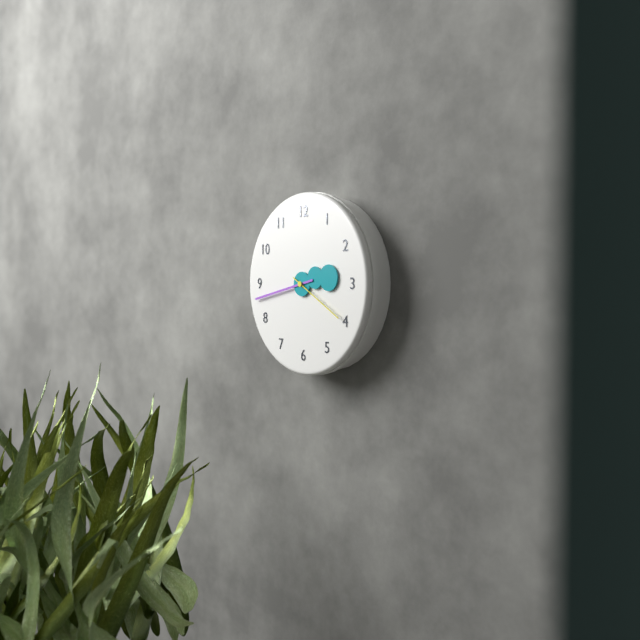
2:43:20
